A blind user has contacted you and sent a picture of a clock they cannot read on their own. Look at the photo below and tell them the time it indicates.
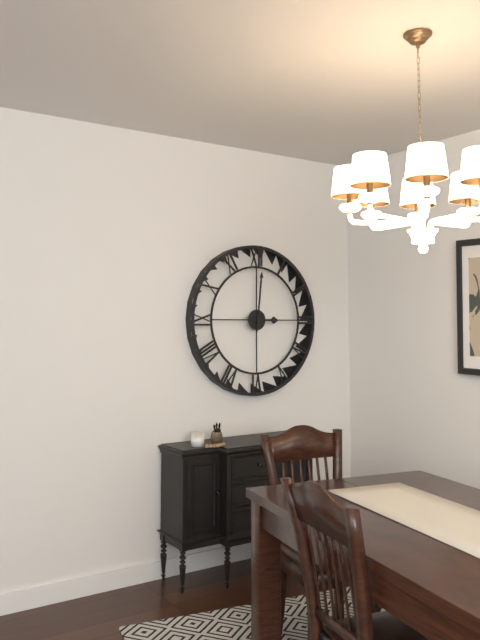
3:01
